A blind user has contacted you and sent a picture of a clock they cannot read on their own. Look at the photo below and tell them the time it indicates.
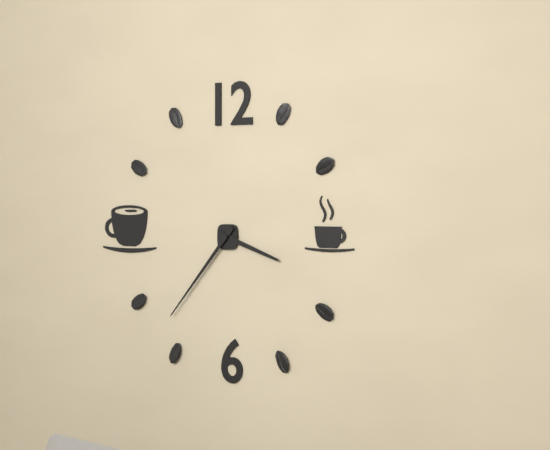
3:37
